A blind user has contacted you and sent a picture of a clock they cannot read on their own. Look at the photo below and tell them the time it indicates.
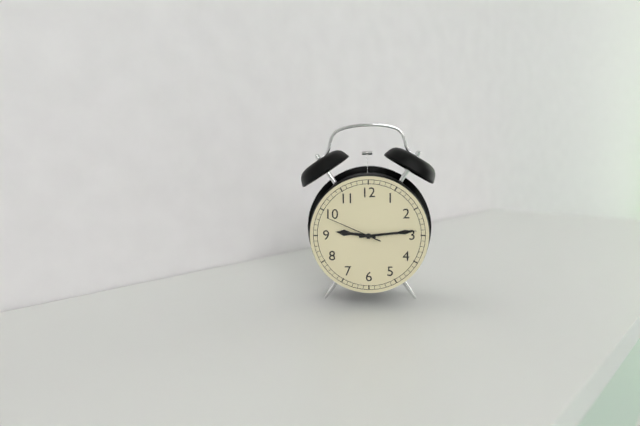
9:14:49
